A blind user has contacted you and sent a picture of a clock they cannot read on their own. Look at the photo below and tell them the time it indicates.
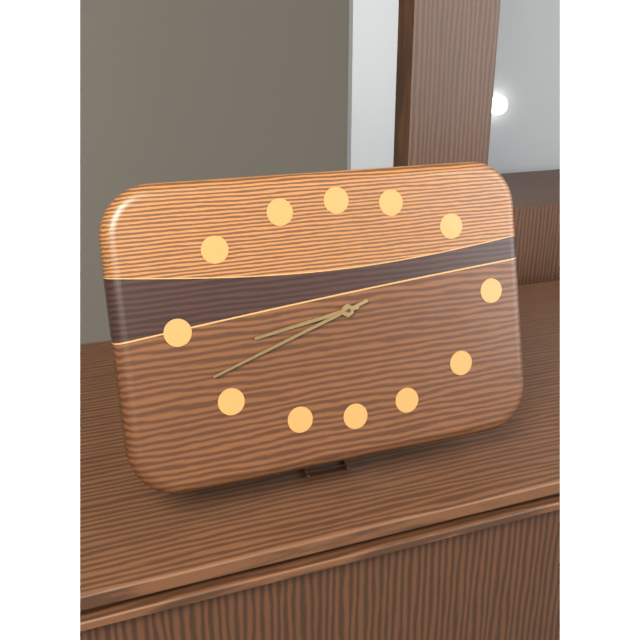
8:42
